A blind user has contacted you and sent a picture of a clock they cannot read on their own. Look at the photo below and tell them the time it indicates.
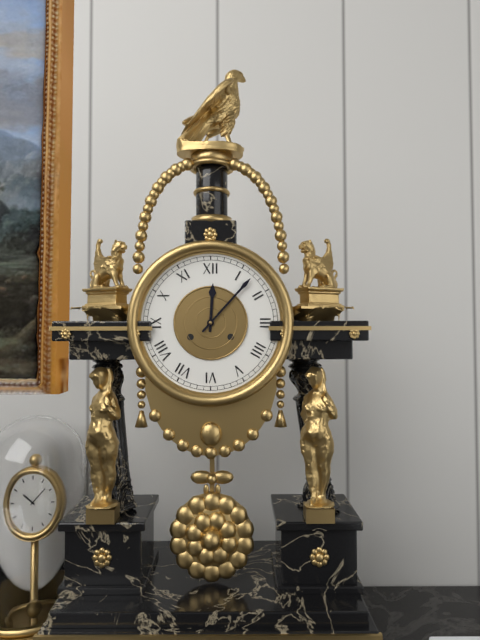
12:07
